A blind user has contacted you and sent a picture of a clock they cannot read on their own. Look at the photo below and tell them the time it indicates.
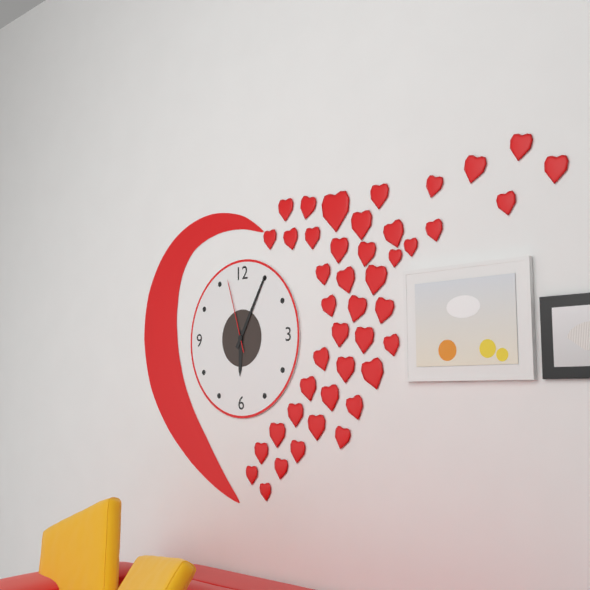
6:05:57
